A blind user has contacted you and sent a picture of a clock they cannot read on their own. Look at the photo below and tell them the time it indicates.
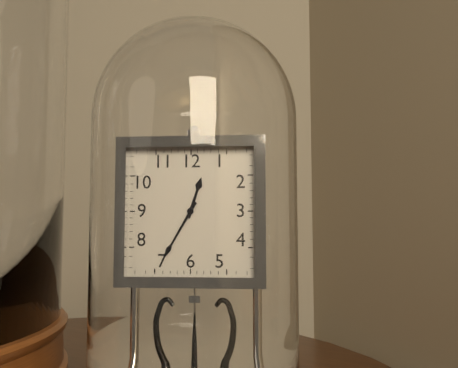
12:35
